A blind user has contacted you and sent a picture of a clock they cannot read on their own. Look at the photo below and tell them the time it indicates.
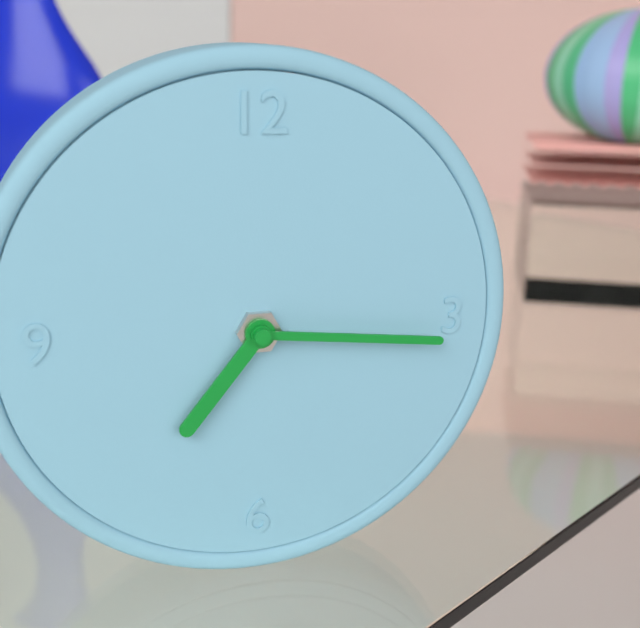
7:16
